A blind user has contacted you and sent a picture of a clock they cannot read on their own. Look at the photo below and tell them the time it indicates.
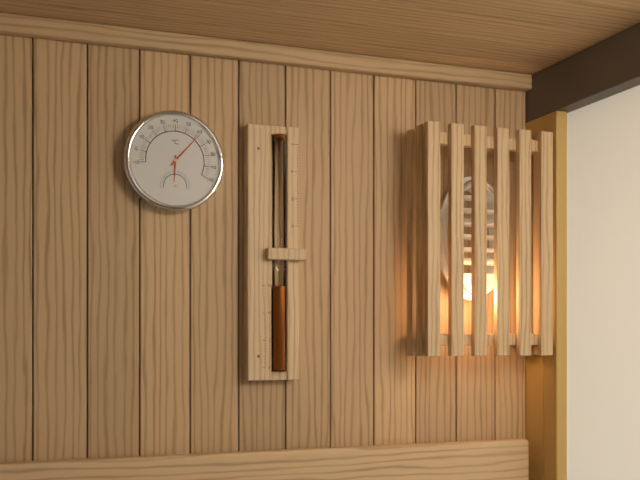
6:07
